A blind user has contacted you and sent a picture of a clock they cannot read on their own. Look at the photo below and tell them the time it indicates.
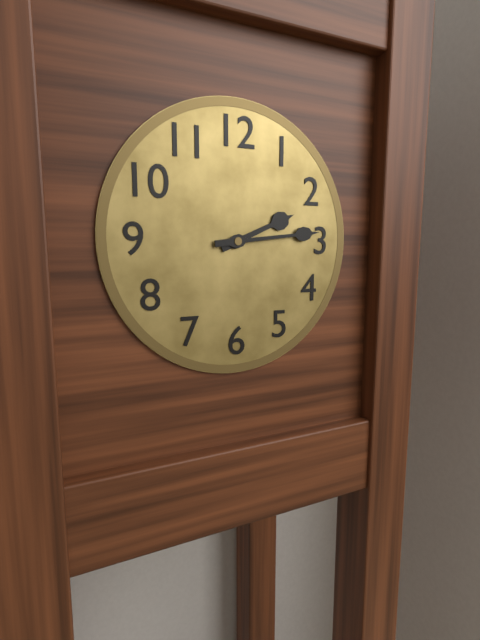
2:14
